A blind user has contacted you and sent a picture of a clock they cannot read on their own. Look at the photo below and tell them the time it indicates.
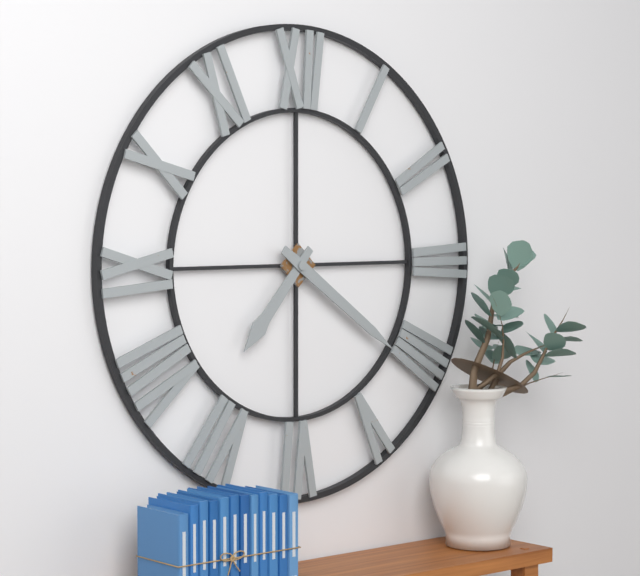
7:21
